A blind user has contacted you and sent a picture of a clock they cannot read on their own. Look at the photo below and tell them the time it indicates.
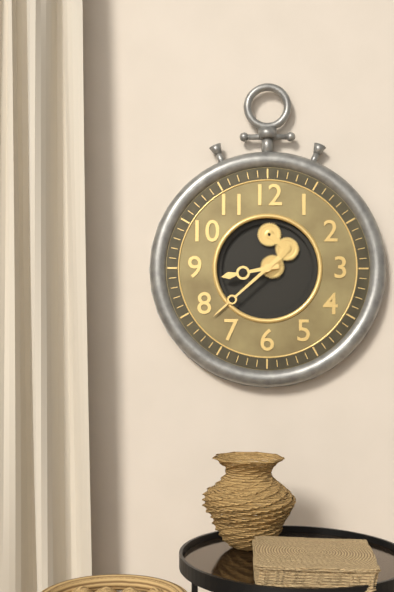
8:38
